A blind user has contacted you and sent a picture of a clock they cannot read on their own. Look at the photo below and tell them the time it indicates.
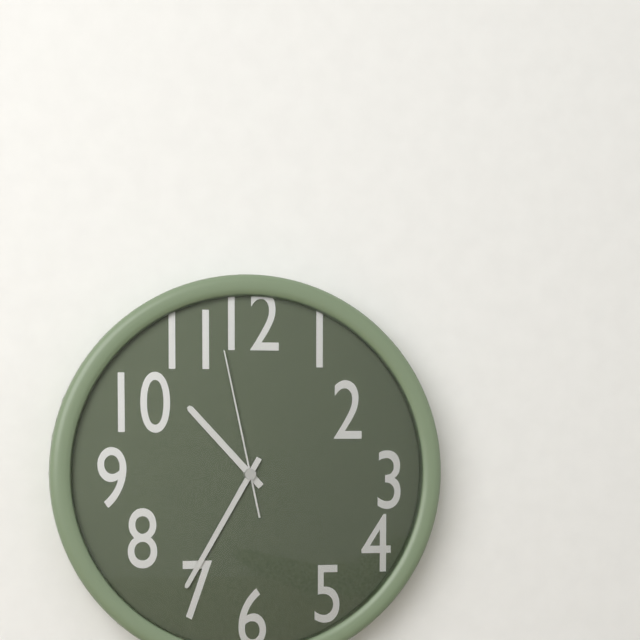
10:35:58
